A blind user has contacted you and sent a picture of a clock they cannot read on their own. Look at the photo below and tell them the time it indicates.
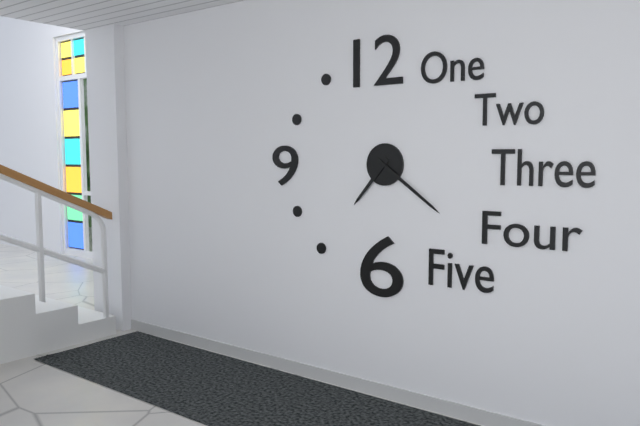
7:21
